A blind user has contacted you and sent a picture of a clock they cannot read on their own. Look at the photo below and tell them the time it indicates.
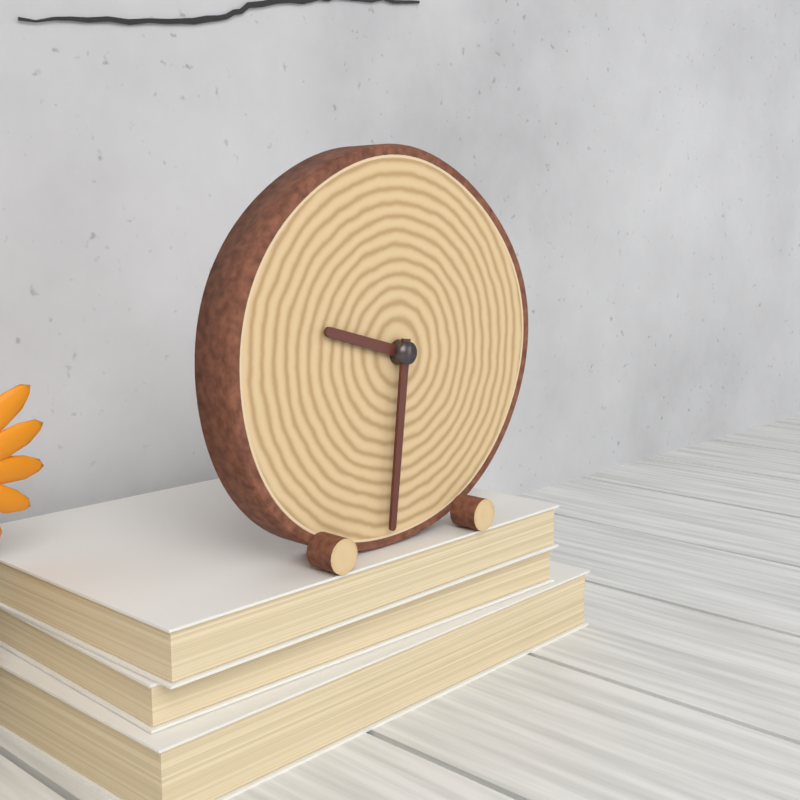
9:31
